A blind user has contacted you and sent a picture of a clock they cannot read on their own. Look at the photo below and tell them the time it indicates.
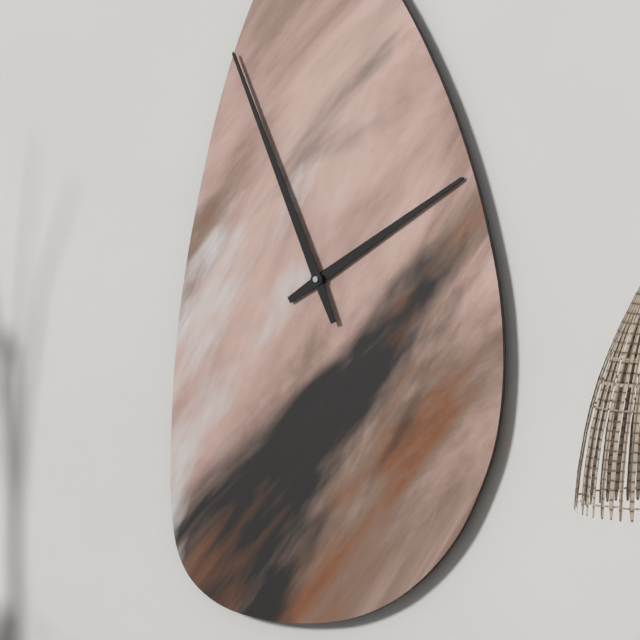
1:56
